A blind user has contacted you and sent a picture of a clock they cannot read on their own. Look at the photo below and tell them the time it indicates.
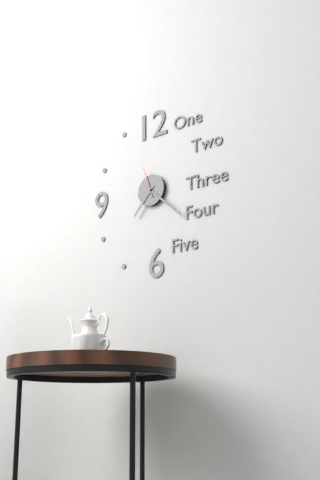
7:22
